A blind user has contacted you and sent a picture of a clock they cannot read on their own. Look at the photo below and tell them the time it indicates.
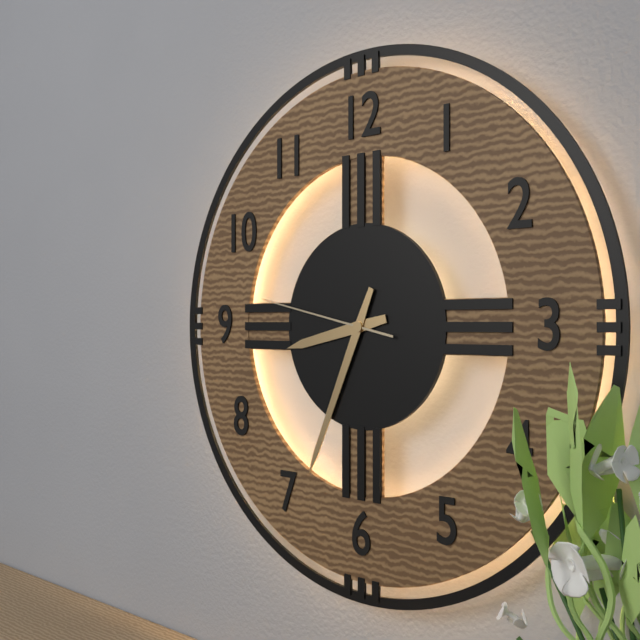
8:34:47
